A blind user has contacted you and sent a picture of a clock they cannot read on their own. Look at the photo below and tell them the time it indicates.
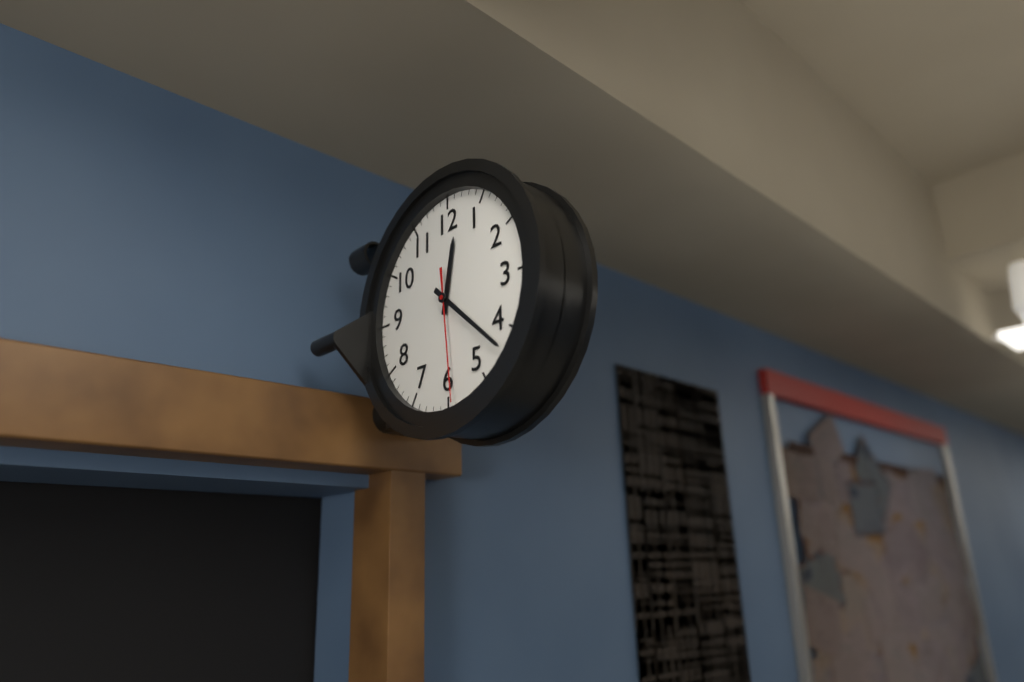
12:22:29
